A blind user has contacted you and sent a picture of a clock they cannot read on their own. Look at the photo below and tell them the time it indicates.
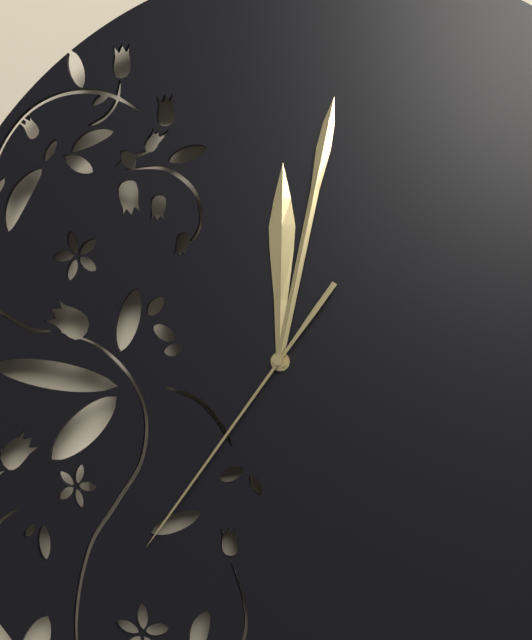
12:02:36
